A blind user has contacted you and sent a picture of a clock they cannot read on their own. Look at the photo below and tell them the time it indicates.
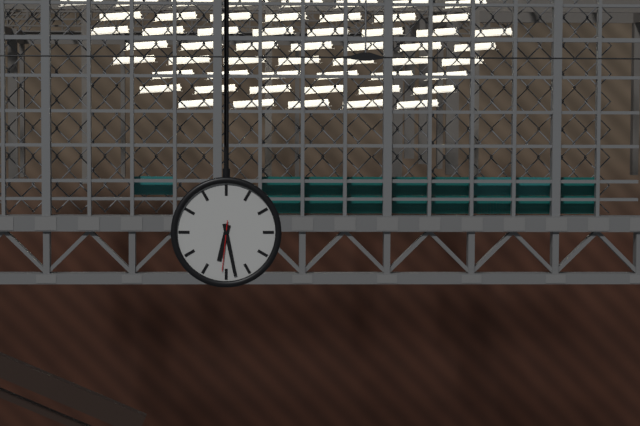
6:28
